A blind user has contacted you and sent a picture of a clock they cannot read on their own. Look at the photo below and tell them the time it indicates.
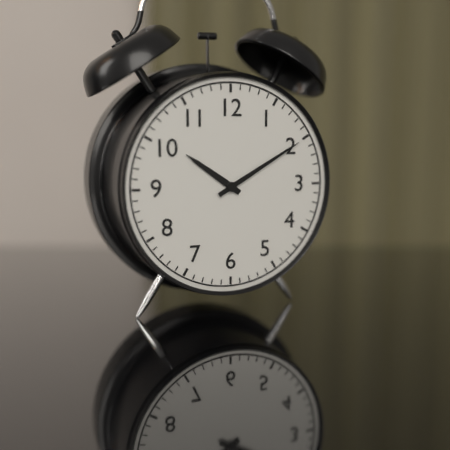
10:10
